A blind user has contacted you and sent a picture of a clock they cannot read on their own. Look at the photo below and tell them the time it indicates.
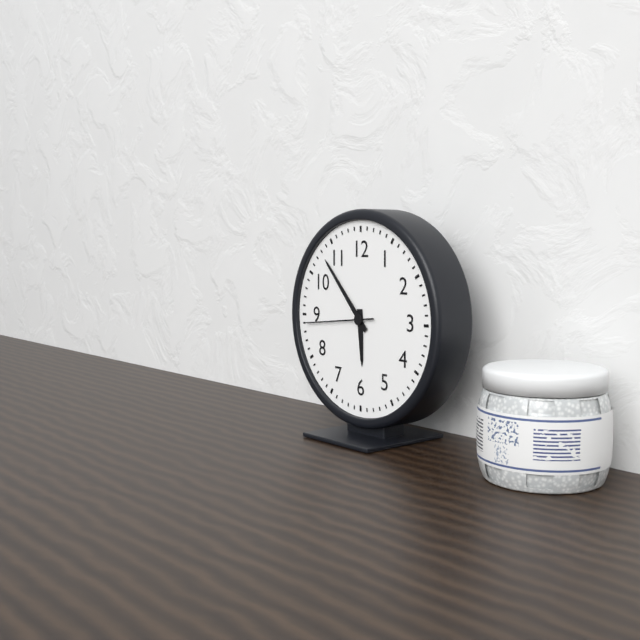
5:53:44
